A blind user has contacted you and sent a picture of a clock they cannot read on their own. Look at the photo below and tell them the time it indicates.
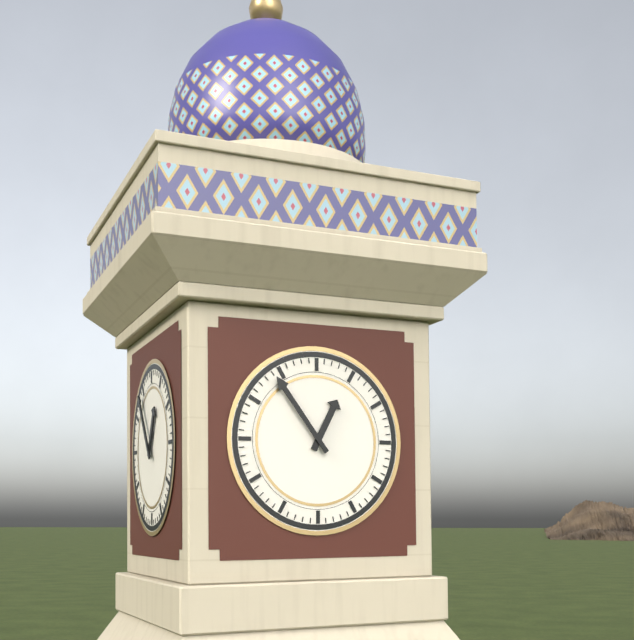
12:54
